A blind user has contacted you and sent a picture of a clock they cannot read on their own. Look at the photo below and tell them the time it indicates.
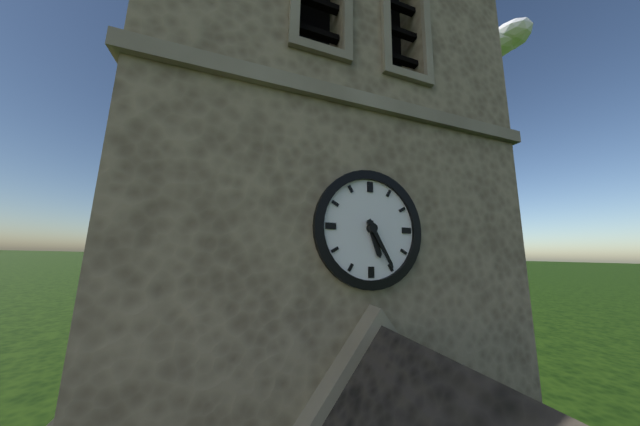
5:25
